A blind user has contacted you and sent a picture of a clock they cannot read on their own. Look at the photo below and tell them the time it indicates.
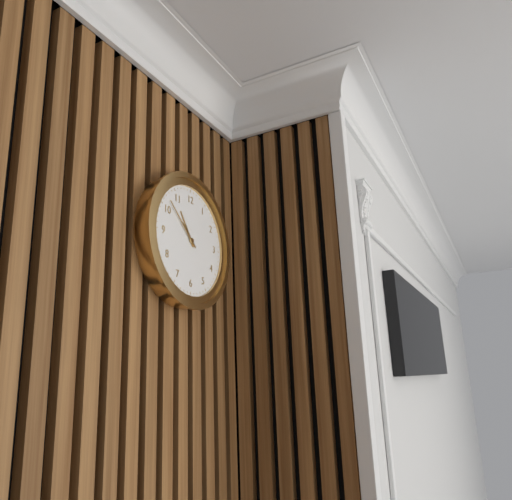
10:52
